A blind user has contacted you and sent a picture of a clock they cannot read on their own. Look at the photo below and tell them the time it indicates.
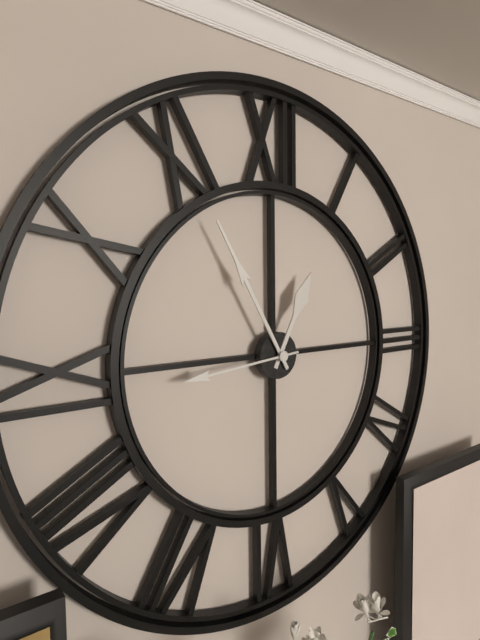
12:55:44
